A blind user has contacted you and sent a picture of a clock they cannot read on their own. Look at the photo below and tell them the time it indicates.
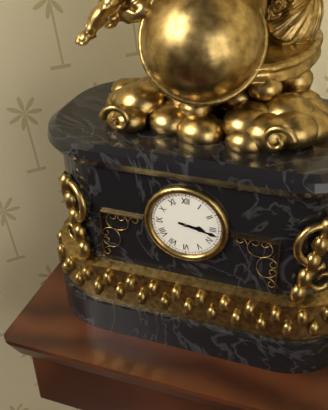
3:17
